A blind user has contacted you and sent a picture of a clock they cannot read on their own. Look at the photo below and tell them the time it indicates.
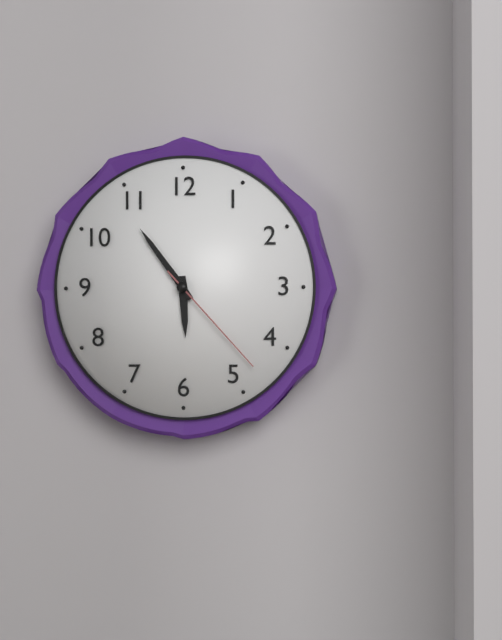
5:54:23
